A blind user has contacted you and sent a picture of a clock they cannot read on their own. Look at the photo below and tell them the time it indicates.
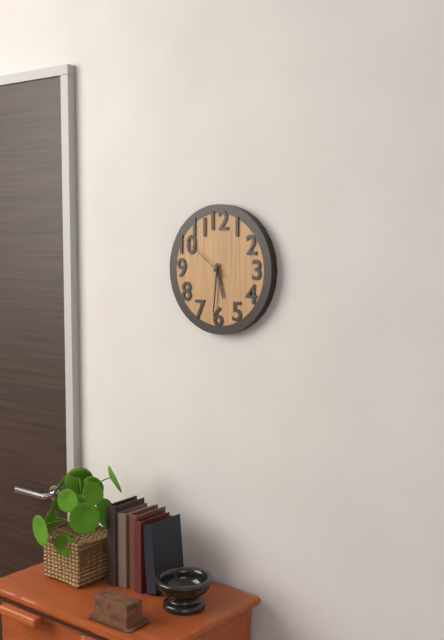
5:31:51
